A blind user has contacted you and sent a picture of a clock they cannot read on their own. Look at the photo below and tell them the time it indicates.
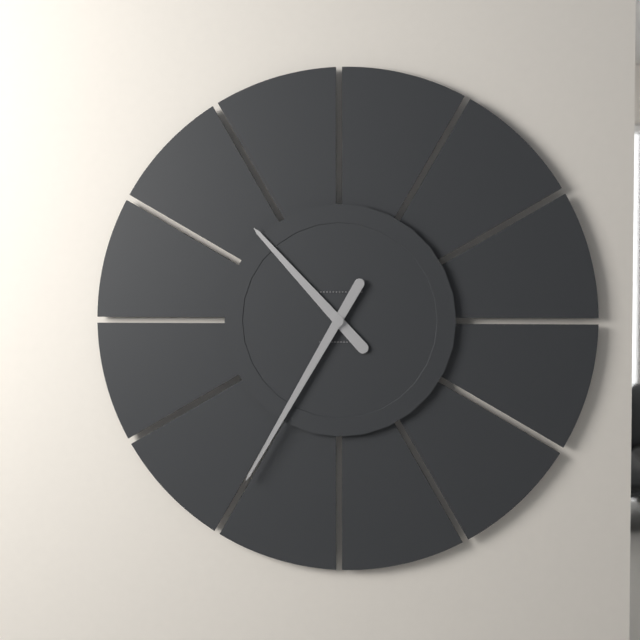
10:35
